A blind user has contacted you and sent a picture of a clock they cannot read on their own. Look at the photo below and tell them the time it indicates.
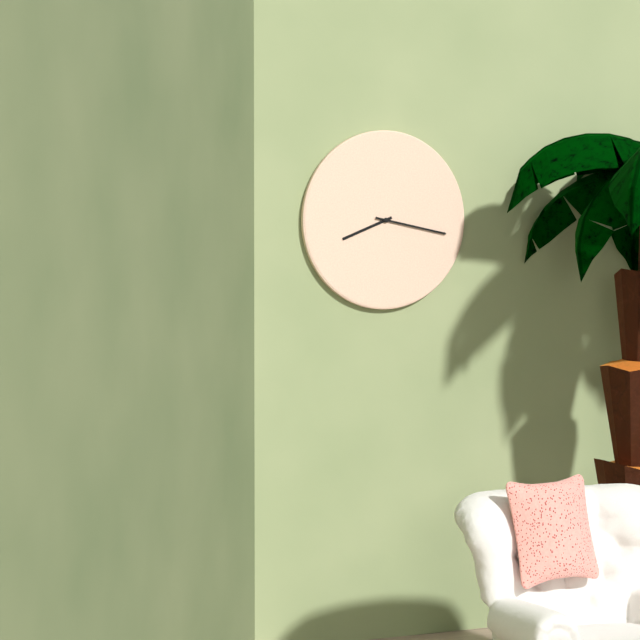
8:17
